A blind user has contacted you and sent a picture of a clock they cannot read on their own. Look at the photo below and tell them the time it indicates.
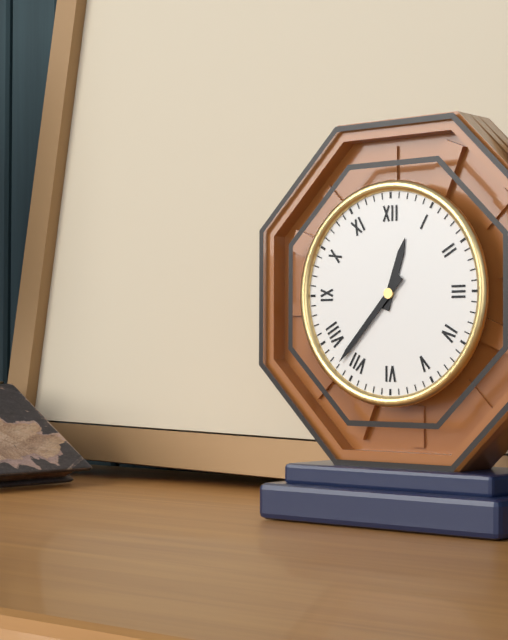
12:37
